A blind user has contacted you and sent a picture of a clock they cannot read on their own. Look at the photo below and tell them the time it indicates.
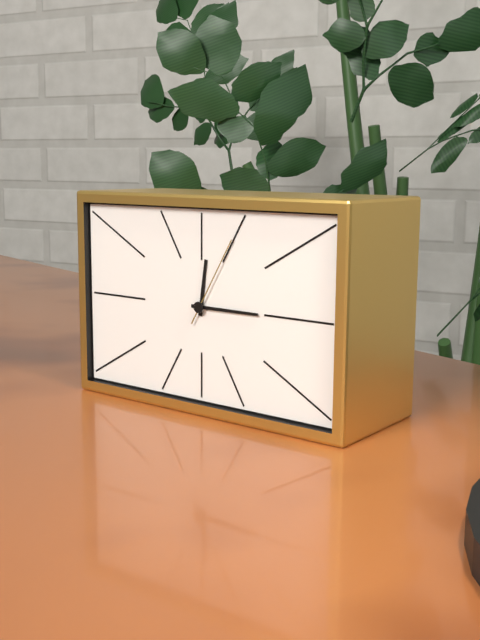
12:15:05
